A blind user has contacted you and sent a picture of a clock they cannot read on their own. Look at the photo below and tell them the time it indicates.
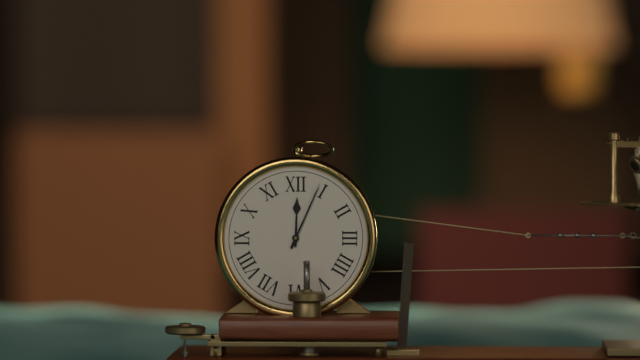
12:04
